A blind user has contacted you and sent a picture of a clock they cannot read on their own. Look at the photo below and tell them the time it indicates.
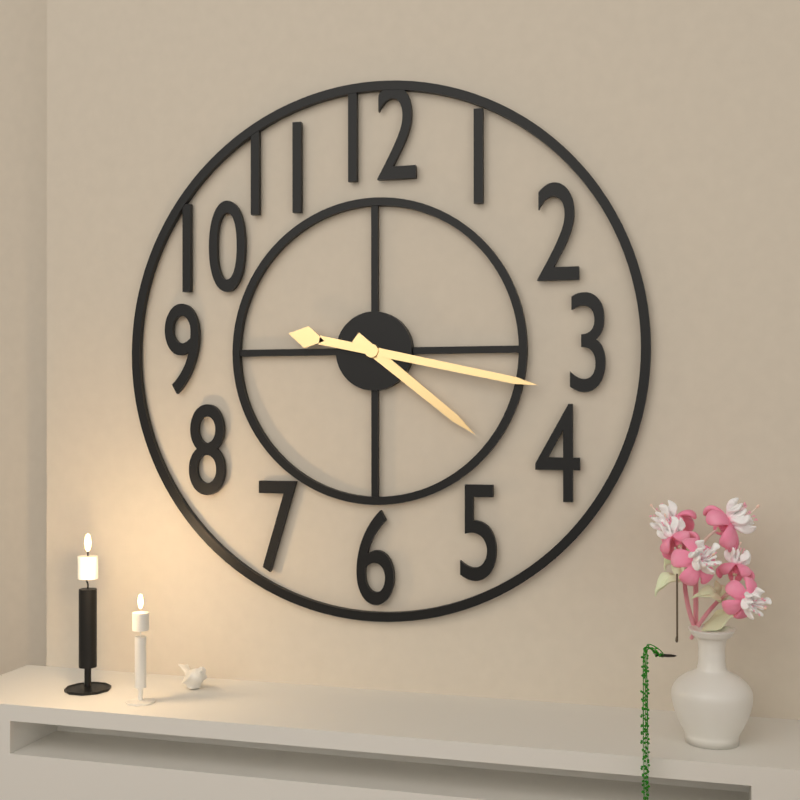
4:17
